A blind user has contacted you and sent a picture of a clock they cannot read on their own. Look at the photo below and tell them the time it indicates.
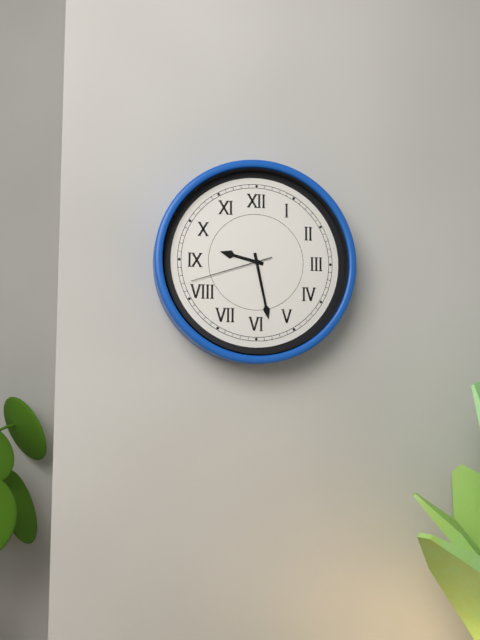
9:28:42
